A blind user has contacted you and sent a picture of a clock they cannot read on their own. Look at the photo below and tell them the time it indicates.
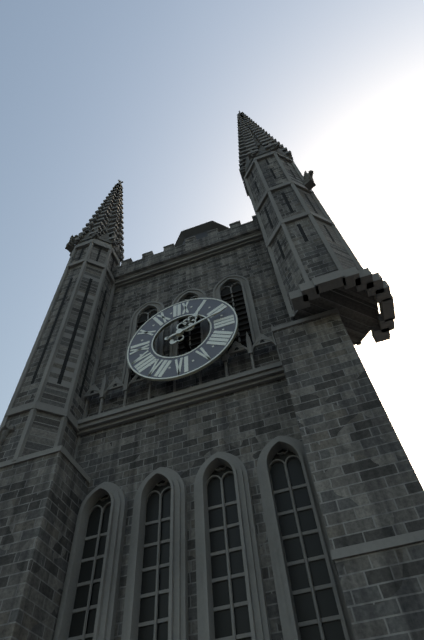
1:12
